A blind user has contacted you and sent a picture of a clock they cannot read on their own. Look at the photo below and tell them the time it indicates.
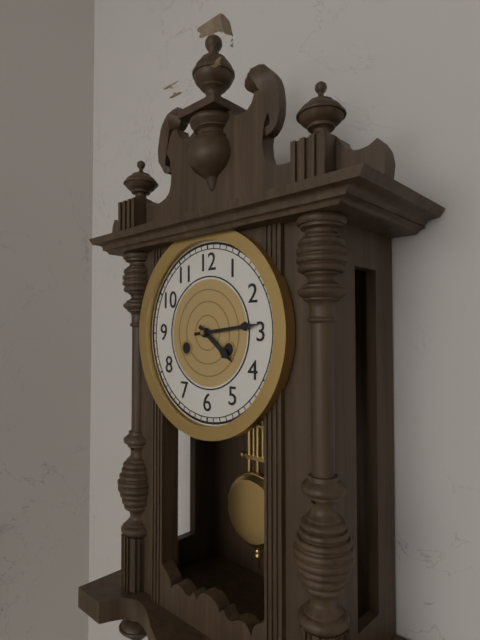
4:14
